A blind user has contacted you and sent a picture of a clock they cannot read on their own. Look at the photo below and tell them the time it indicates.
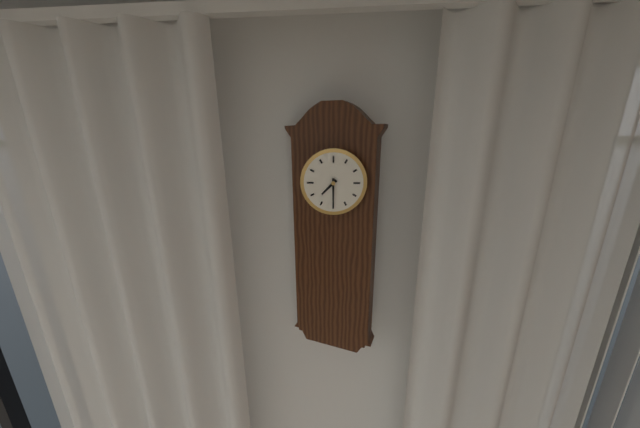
7:30
